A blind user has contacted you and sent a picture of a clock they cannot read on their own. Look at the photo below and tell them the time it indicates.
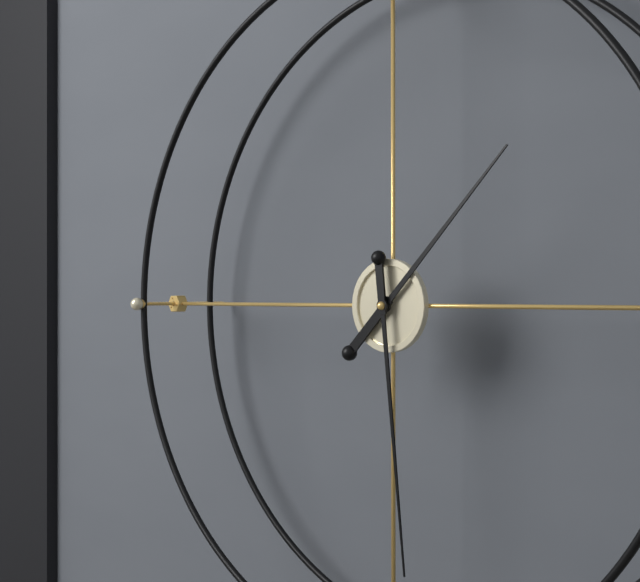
1:29
